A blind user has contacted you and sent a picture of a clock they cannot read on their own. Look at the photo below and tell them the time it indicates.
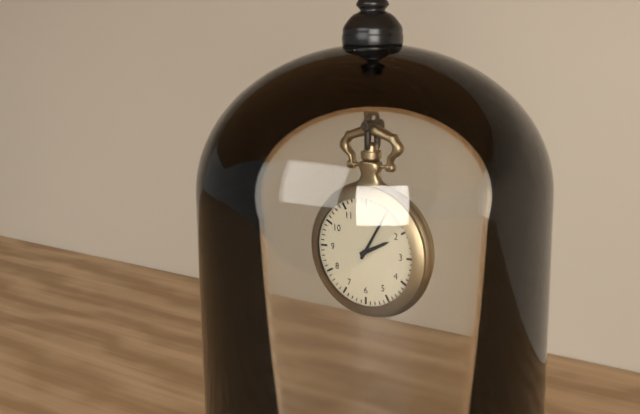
2:05
